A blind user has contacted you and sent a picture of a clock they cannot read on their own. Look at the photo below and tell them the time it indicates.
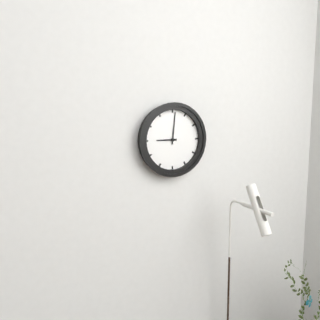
9:01
